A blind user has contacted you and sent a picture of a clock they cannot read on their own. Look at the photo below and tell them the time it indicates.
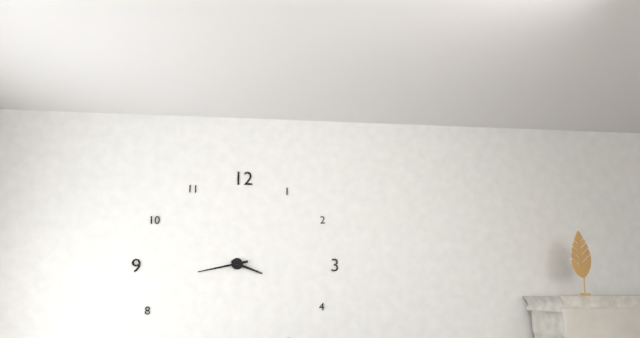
3:43
